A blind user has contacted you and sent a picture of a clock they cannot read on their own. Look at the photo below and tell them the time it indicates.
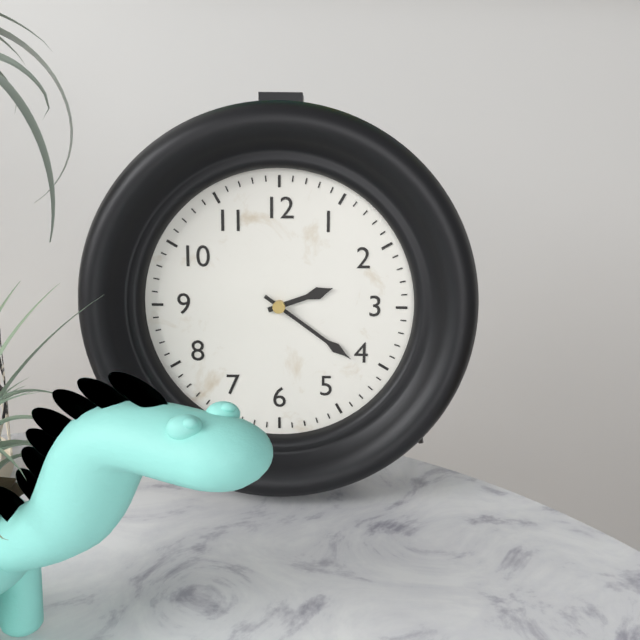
2:21
